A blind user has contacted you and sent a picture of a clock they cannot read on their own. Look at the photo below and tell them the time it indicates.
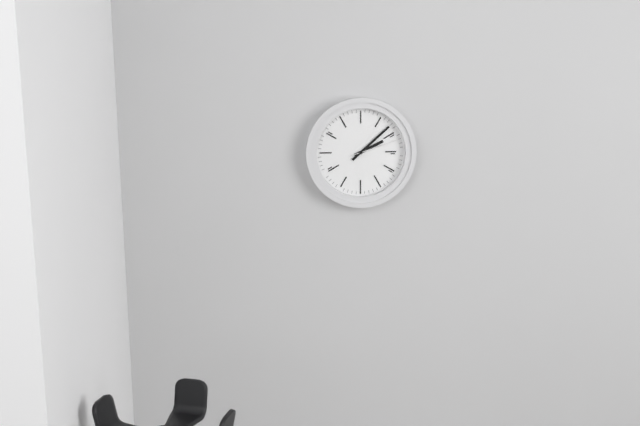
2:08:12
